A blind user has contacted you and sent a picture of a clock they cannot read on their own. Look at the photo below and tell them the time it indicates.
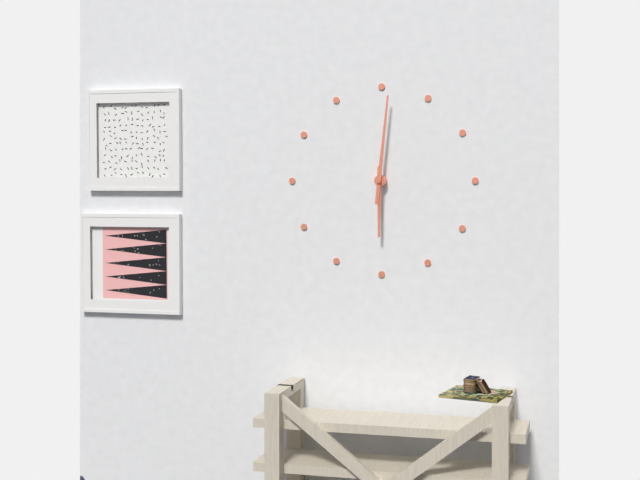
6:01
